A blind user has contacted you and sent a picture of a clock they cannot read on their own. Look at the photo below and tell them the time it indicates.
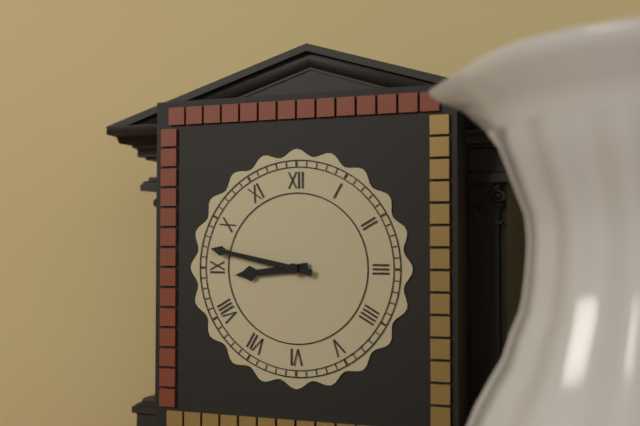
8:47
